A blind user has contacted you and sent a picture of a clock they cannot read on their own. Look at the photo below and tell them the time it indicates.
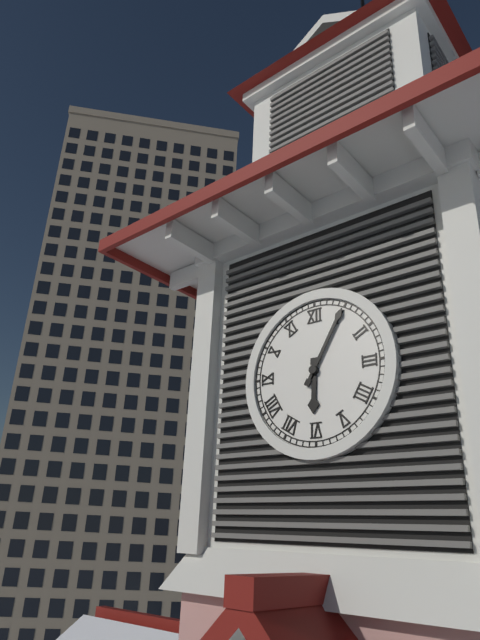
6:05
